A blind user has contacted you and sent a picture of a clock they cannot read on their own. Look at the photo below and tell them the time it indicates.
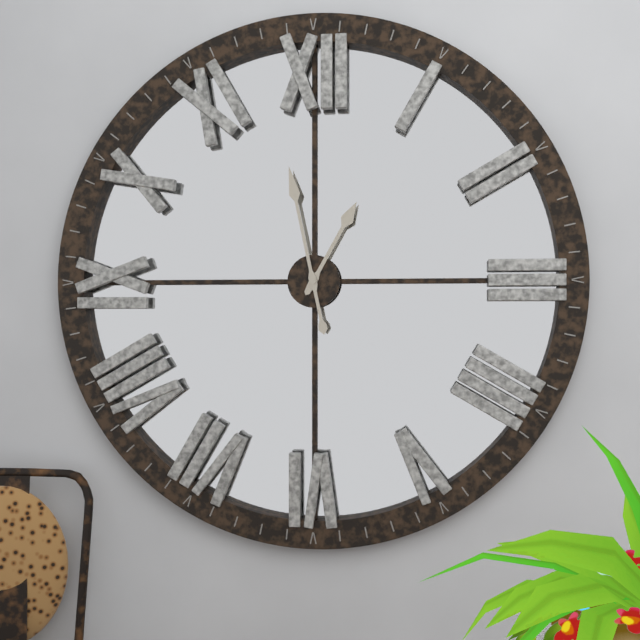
12:58
